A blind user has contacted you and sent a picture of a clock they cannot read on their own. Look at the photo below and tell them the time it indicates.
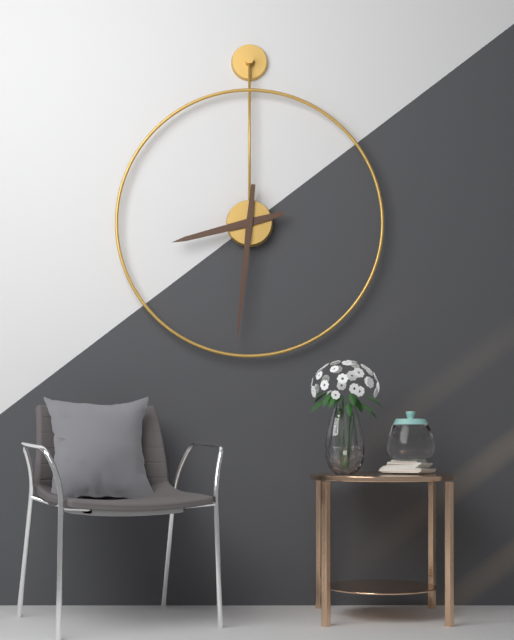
8:31
